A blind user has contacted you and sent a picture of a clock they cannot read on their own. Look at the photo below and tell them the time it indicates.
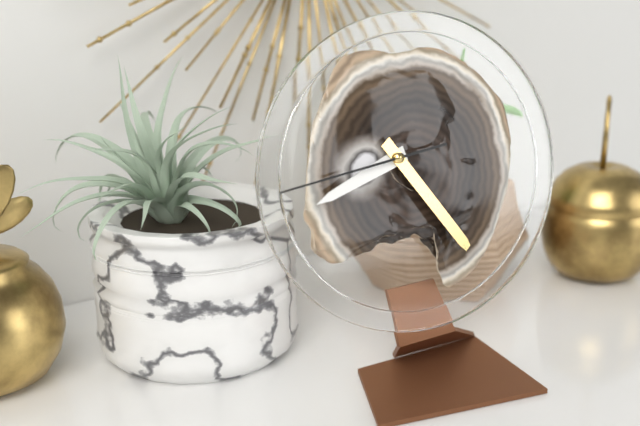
8:24:44
